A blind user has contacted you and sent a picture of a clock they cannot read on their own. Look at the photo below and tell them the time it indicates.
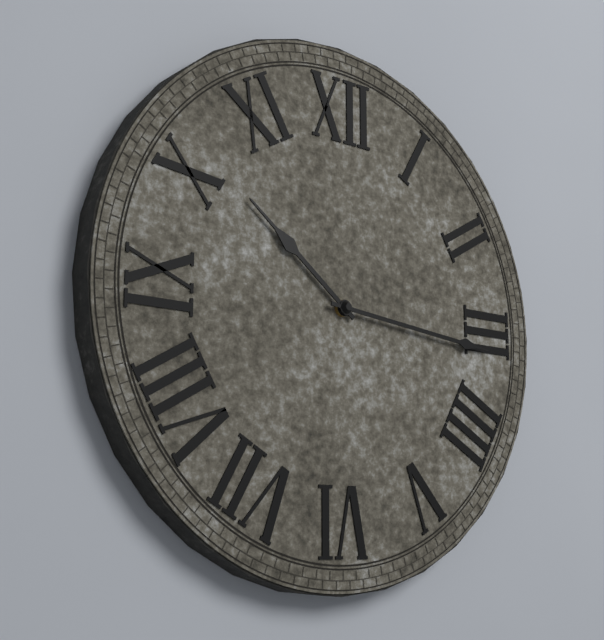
10:16
